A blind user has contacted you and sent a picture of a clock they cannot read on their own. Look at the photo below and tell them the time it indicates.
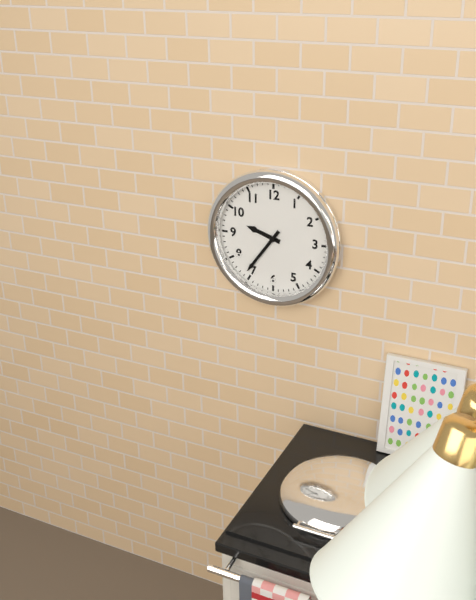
9:36
